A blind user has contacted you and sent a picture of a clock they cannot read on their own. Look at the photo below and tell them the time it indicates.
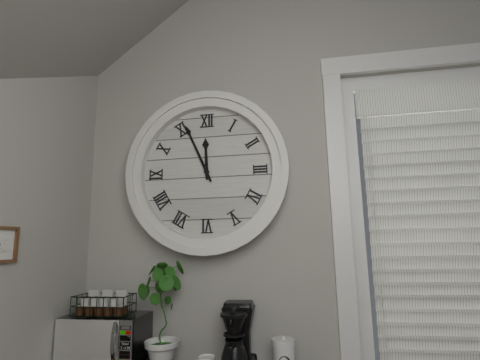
11:56
